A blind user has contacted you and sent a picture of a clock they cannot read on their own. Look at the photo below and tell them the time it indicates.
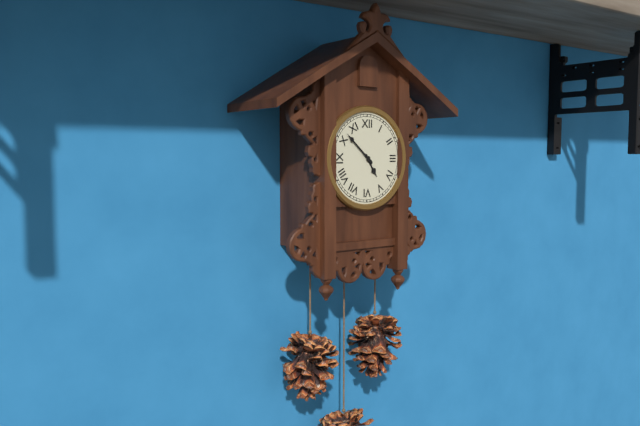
4:52
